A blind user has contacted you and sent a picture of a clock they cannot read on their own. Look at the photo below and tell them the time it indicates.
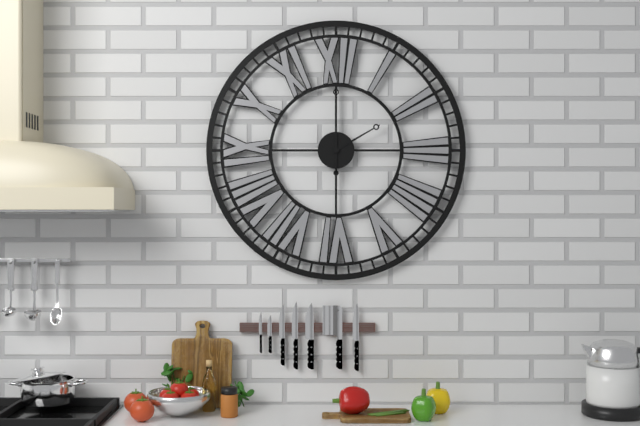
2:00
